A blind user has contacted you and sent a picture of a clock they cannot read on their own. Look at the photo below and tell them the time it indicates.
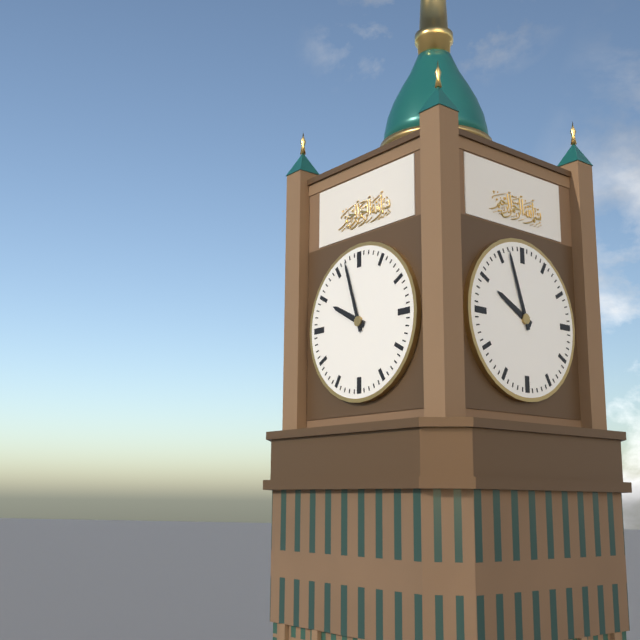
9:57
